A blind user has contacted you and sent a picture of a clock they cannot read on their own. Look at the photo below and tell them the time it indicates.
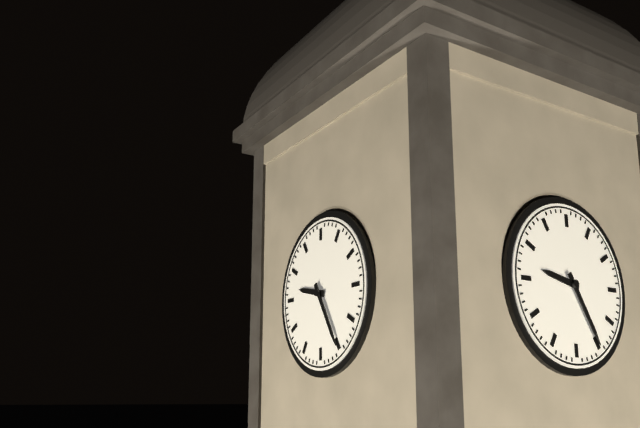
9:25
